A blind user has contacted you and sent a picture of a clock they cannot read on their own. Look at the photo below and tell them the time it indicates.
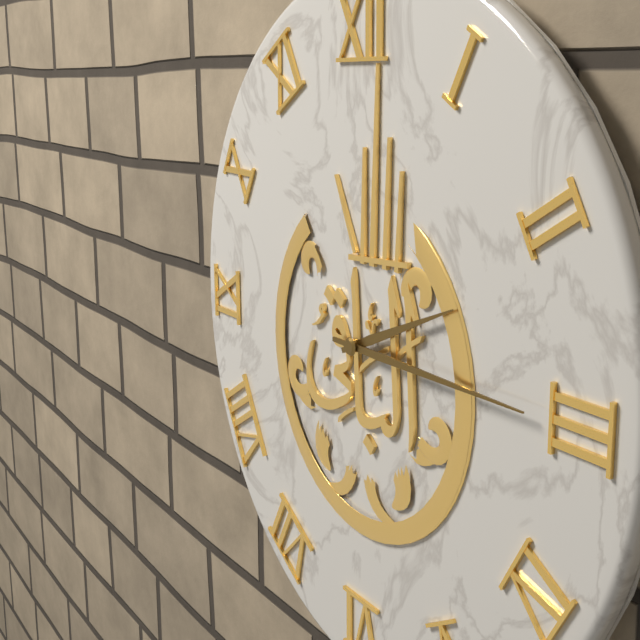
2:15
